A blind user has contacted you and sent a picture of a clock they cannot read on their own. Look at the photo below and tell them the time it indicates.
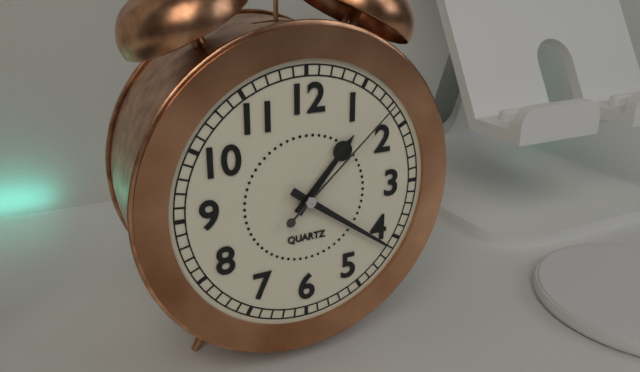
1:21:08
